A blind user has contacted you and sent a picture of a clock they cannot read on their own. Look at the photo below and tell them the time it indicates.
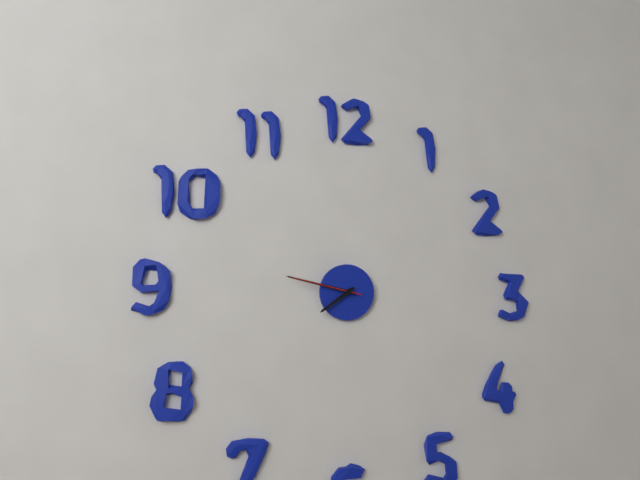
7:47:47
